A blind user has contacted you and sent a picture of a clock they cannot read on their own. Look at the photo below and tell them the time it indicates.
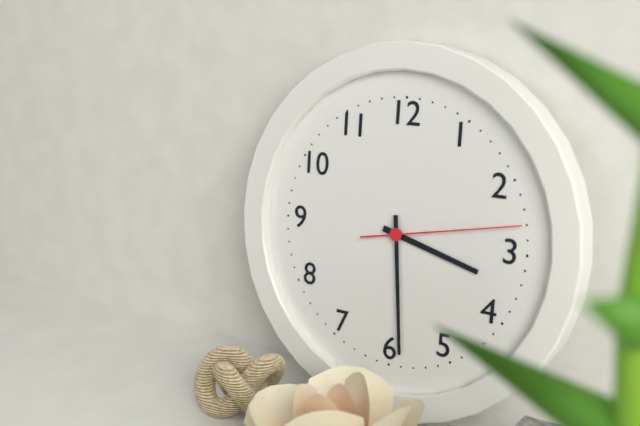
3:29:13
